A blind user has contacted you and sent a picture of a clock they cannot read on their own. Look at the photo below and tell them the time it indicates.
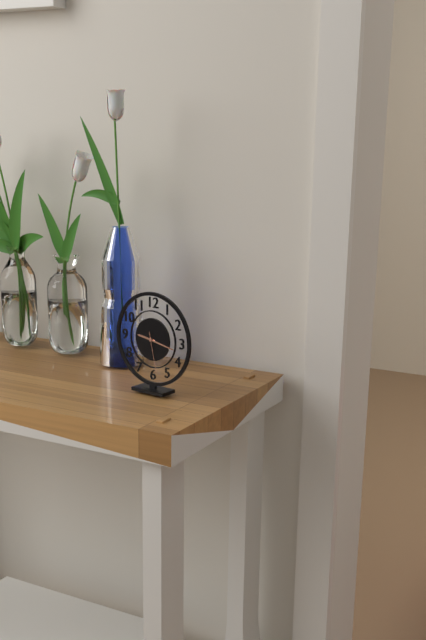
9:17
